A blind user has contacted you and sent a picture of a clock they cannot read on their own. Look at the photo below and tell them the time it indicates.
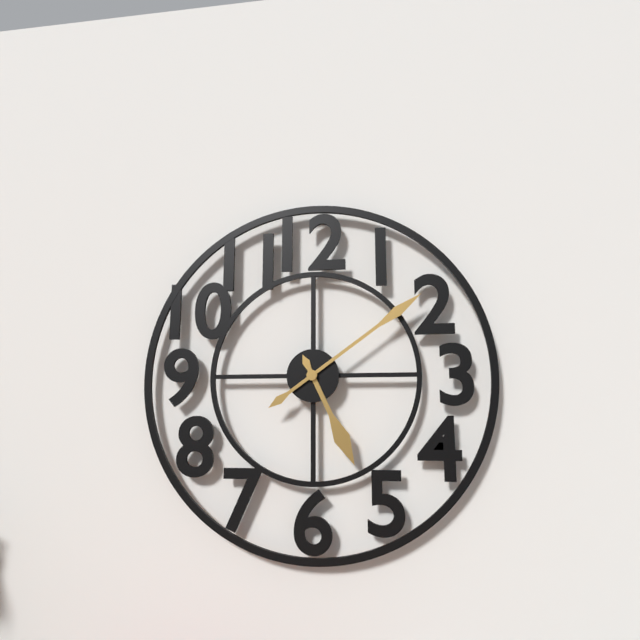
5:09
